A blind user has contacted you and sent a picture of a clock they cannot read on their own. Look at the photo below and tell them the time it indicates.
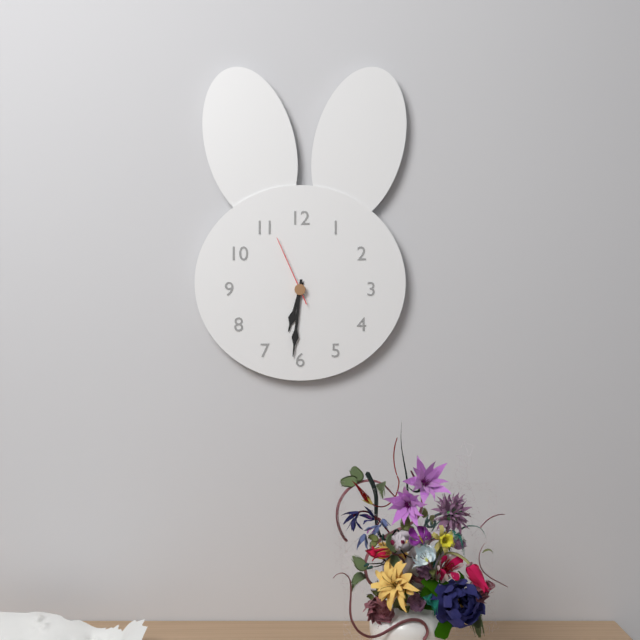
6:31:56
